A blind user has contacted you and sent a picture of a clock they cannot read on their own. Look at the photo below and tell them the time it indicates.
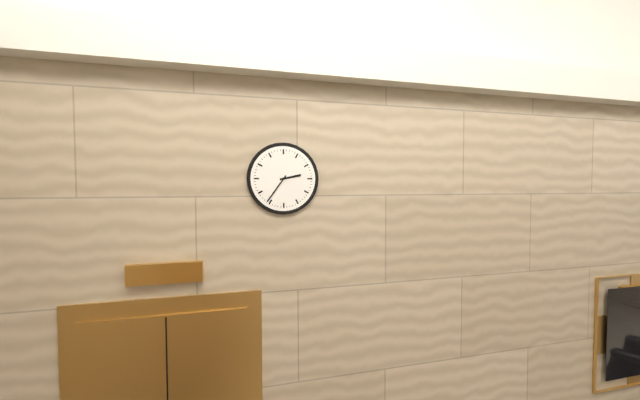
2:36
